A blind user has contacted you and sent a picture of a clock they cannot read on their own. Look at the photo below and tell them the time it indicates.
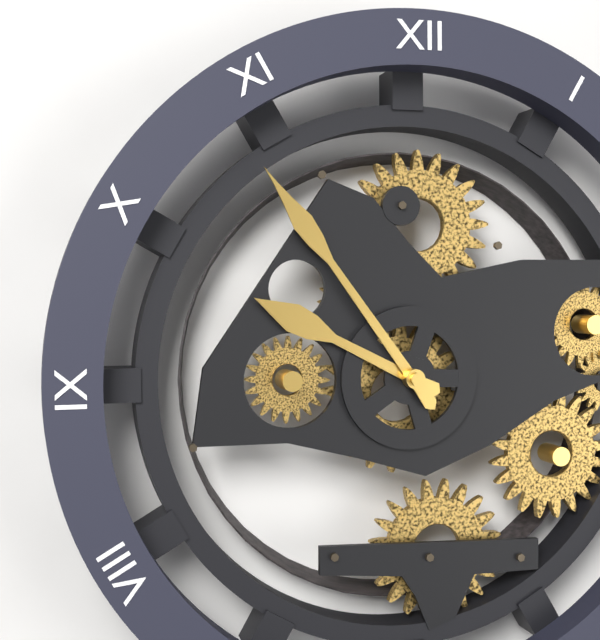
9:54
